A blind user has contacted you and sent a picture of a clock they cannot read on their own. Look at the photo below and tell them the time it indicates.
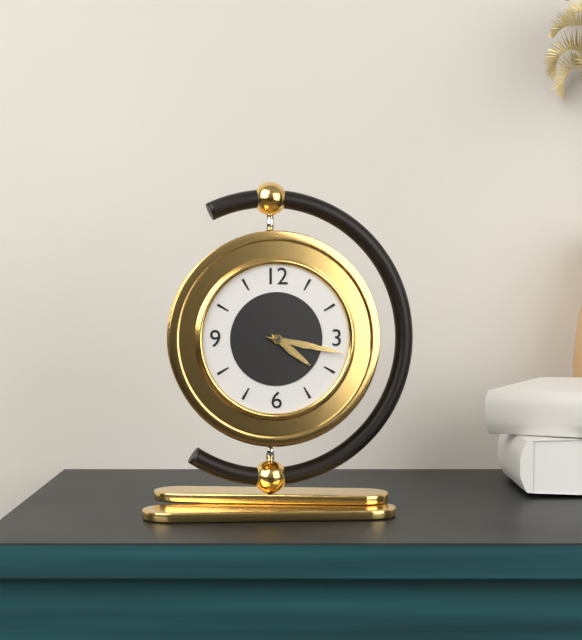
4:17
